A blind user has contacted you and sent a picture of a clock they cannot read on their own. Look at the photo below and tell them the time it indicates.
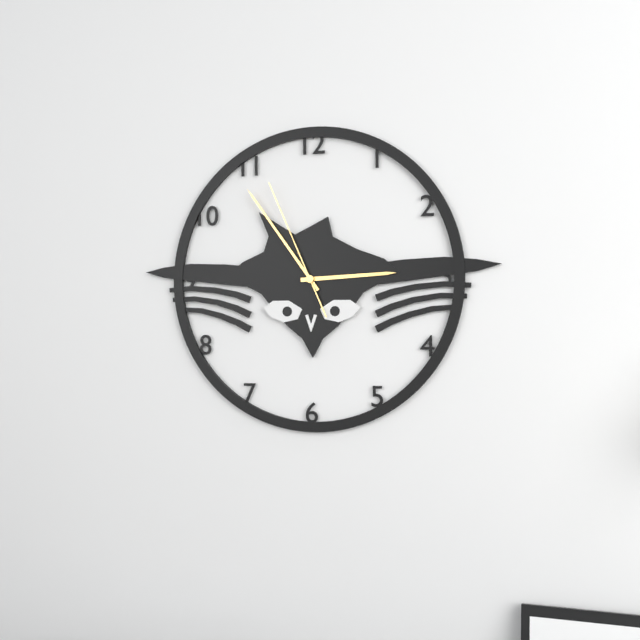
2:54:56
